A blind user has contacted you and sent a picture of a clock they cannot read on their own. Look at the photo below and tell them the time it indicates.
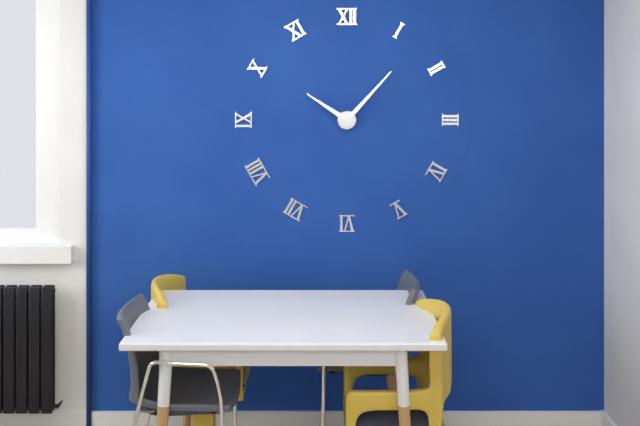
10:07
